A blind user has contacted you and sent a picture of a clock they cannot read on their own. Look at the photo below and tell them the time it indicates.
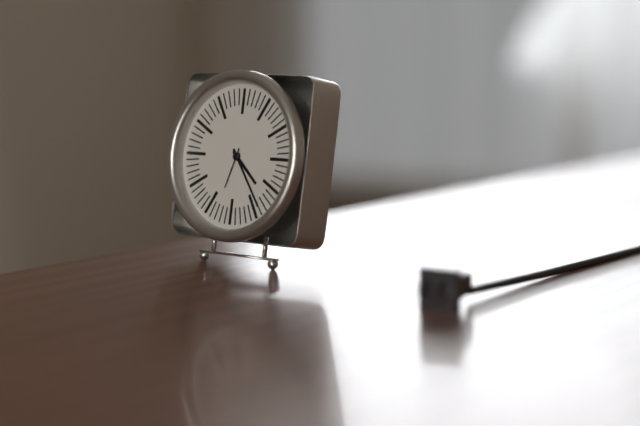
4:24
